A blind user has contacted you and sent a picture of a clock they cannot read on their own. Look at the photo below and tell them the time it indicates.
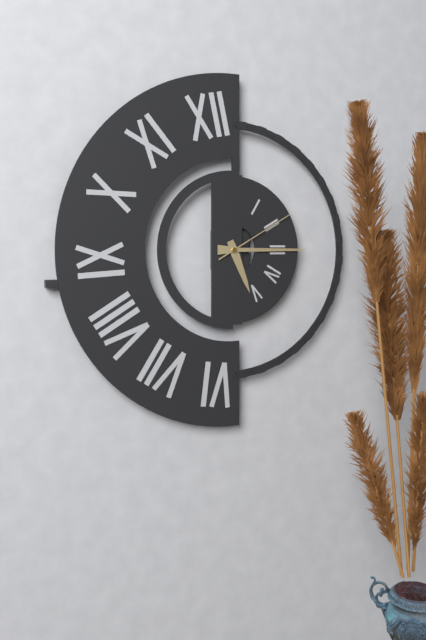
5:15:10
